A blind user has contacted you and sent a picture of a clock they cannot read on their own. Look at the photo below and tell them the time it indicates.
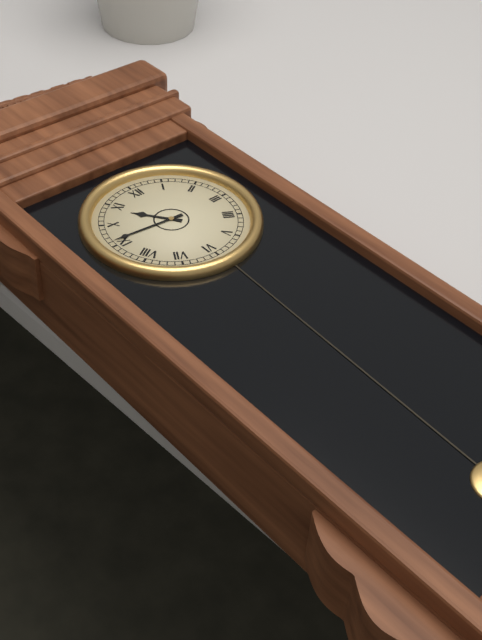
10:46
